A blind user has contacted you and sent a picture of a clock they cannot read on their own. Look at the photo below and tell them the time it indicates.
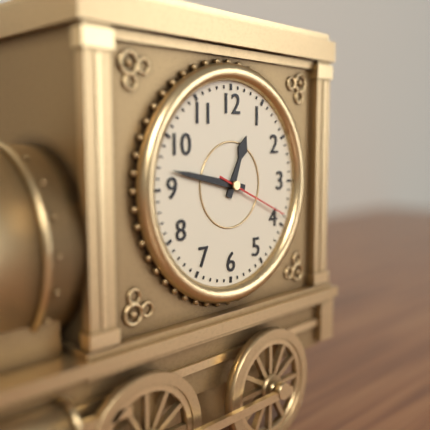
12:47:19
